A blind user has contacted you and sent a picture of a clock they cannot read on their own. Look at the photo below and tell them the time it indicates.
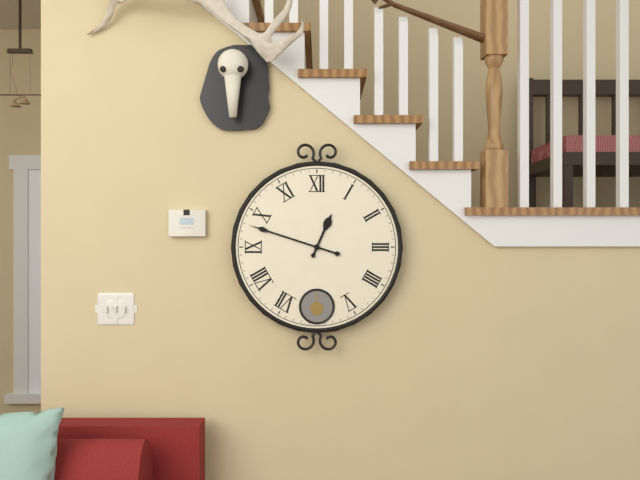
12:48
